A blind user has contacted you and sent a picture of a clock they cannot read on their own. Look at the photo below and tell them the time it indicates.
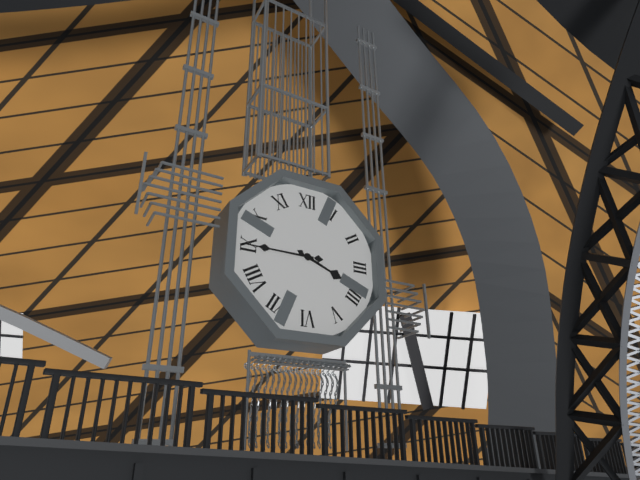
3:45
